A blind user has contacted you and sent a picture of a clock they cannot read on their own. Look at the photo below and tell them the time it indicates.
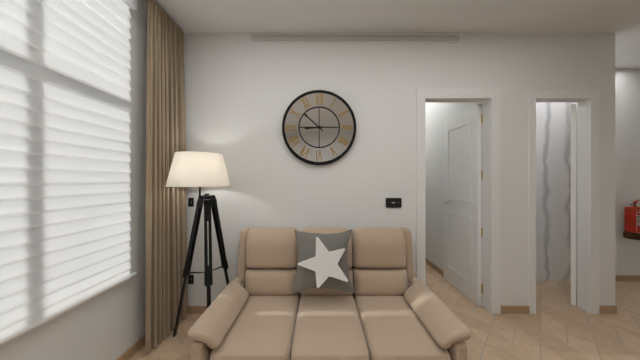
8:52
